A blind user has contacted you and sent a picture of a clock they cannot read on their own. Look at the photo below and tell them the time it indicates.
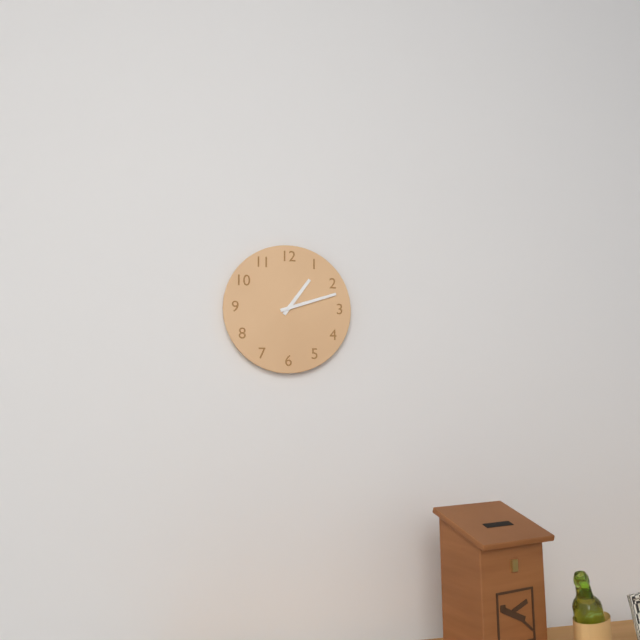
1:12
